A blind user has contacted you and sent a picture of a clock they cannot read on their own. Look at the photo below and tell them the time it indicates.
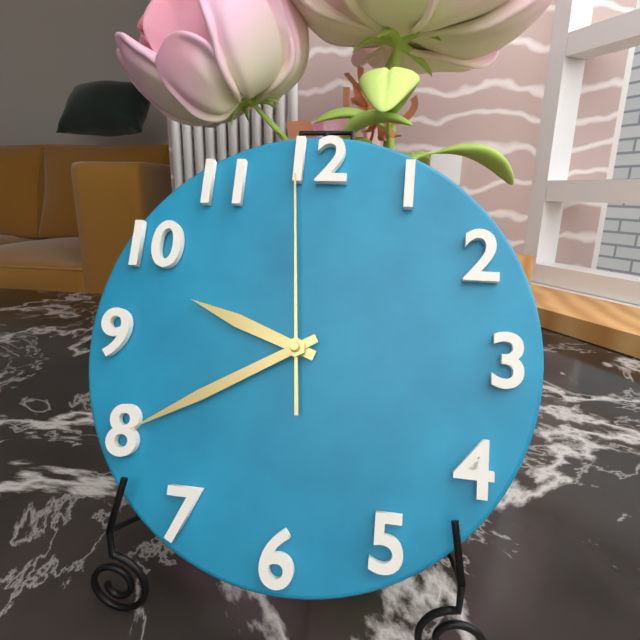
9:40:59
